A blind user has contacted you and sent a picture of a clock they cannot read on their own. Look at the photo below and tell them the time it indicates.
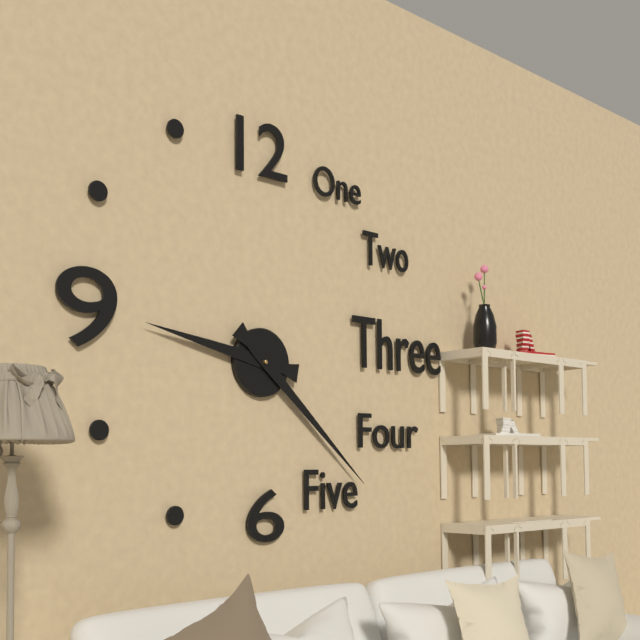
9:22
